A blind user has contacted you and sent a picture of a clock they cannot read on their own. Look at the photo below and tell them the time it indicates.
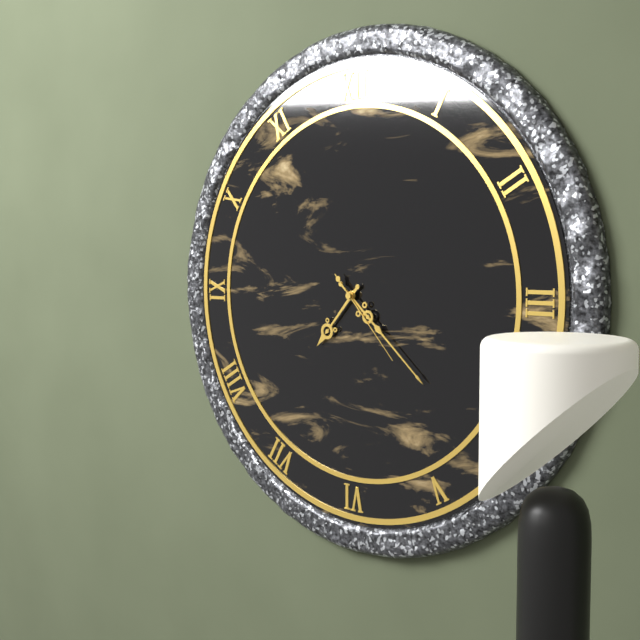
7:22:23
